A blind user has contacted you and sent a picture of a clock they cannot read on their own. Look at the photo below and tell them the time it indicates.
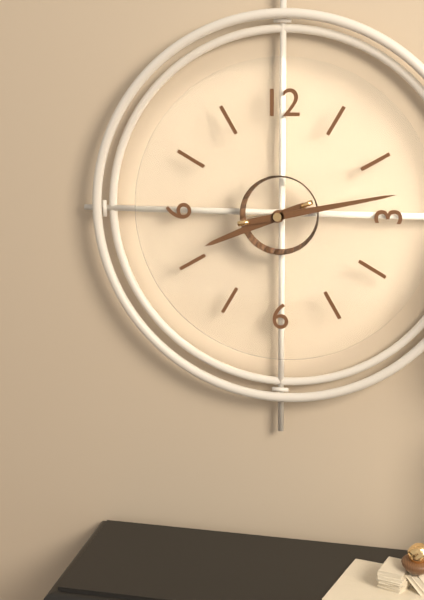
8:13
